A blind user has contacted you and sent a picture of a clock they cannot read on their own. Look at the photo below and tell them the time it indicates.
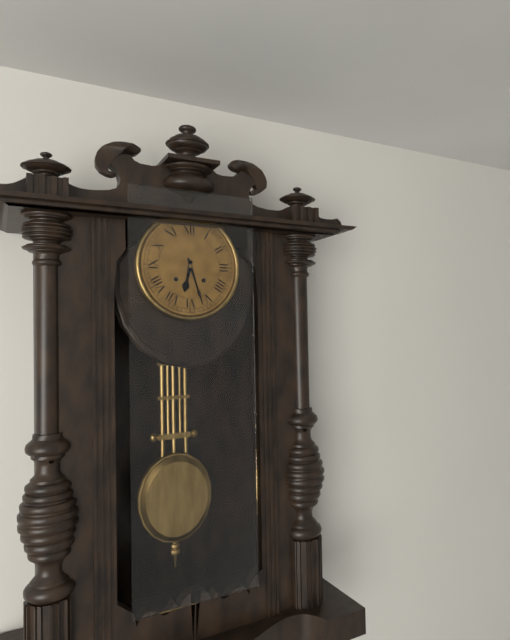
6:27
